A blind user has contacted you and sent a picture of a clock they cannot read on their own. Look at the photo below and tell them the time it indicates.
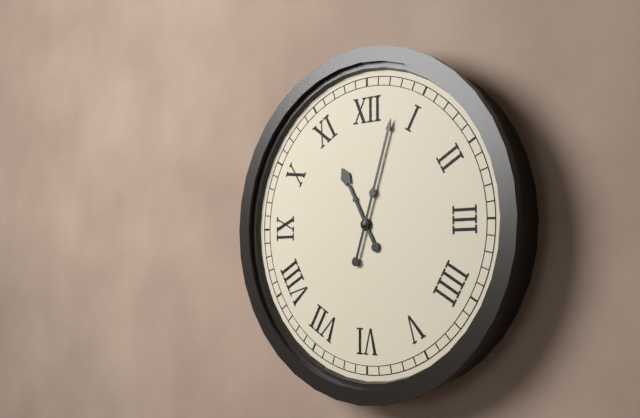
11:03
